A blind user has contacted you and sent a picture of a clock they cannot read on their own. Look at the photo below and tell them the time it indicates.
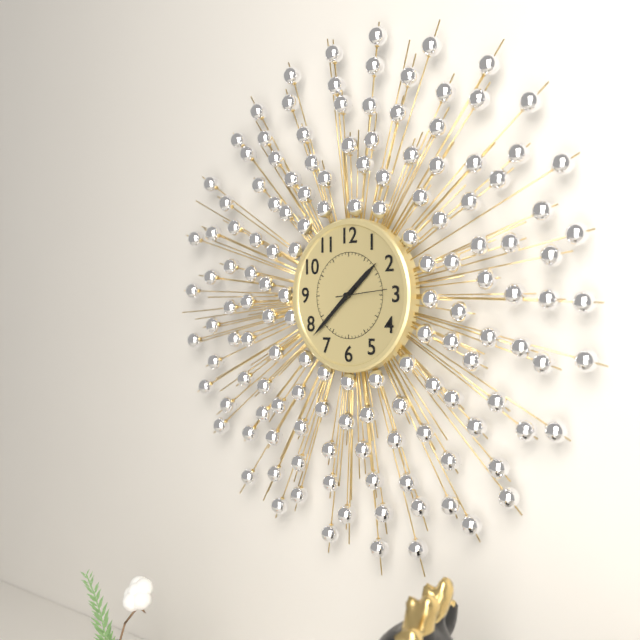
1:38:14
